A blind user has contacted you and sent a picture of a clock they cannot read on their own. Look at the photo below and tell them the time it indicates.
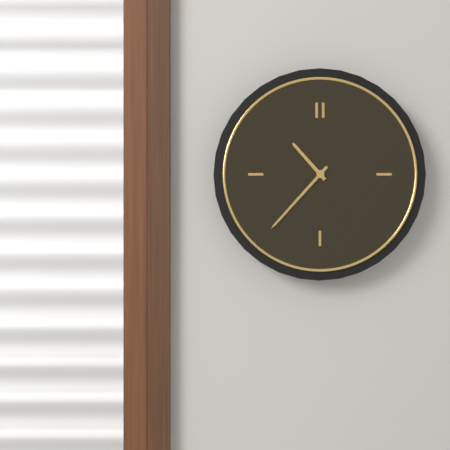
10:37
